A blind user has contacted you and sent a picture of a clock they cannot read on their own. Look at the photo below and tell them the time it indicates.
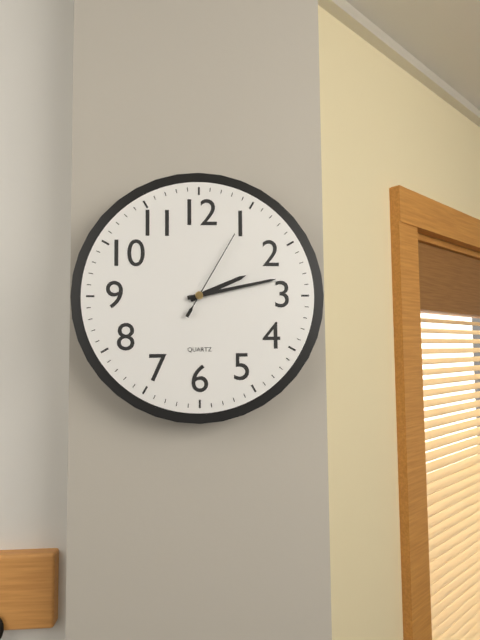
2:13:05
